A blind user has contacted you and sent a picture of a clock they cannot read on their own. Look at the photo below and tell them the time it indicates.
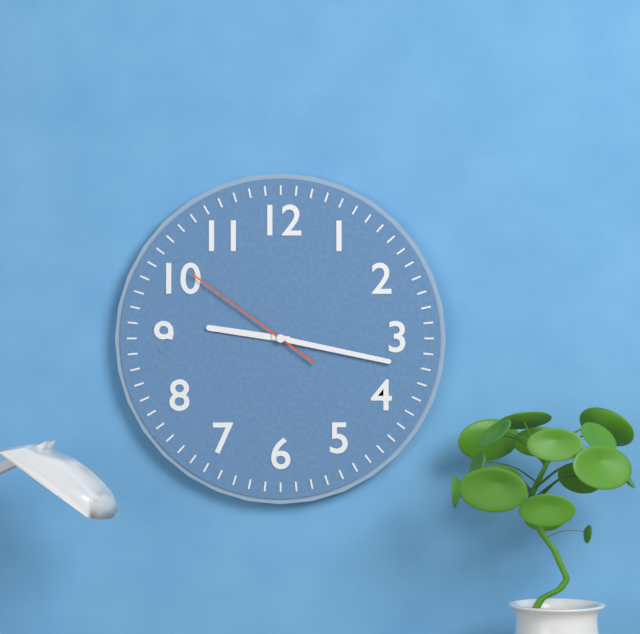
9:17:51
